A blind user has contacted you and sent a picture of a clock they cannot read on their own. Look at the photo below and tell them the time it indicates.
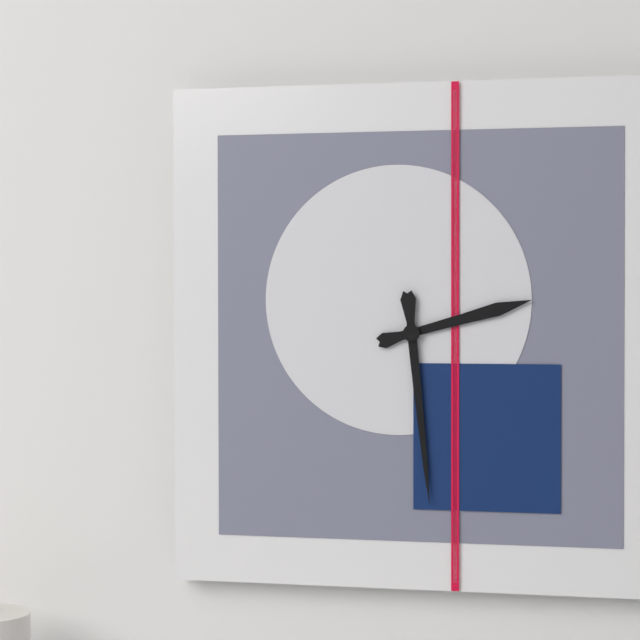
2:29
